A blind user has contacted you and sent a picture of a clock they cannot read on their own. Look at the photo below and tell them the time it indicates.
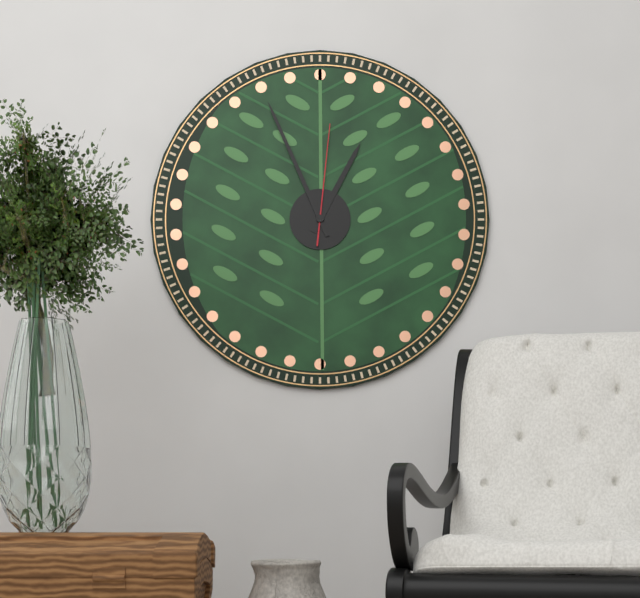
12:56:01
